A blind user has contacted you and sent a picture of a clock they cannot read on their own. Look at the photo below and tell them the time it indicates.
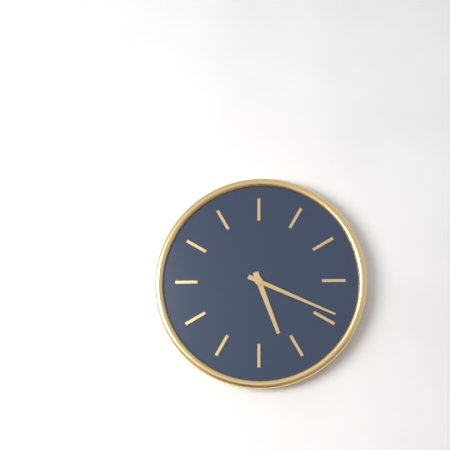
5:19
